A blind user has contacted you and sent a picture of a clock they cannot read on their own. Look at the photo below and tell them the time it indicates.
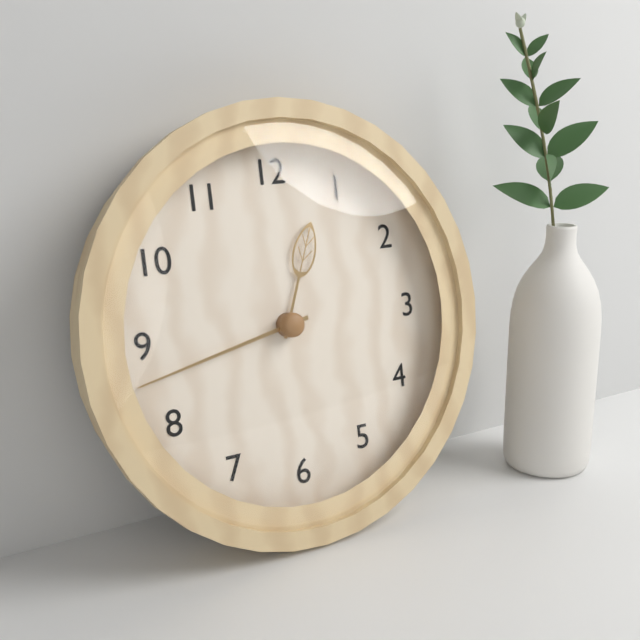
12:43
